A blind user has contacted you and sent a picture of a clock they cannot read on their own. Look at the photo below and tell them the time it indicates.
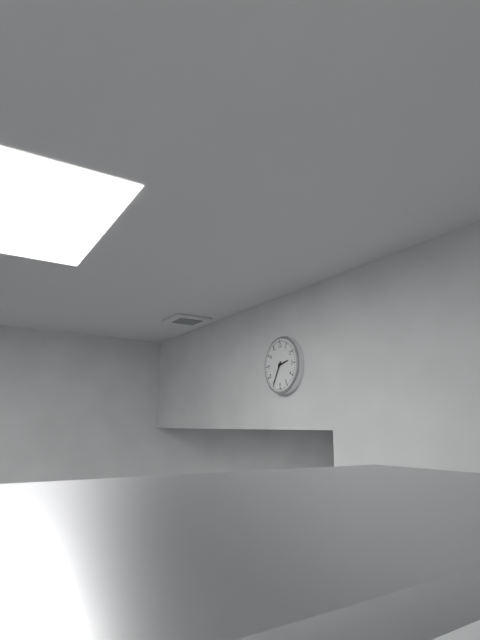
2:35
